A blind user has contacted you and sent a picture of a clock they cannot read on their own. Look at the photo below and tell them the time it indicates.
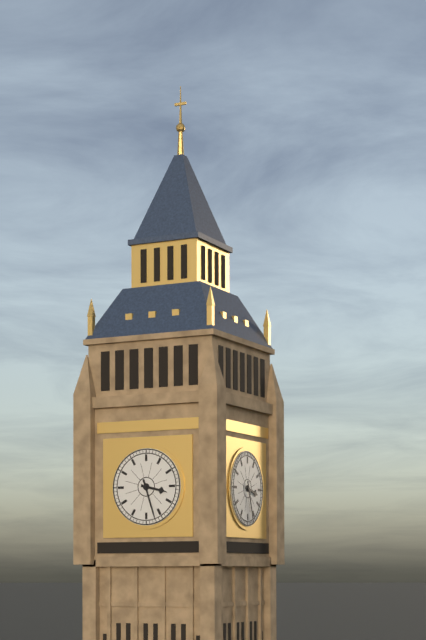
3:27
